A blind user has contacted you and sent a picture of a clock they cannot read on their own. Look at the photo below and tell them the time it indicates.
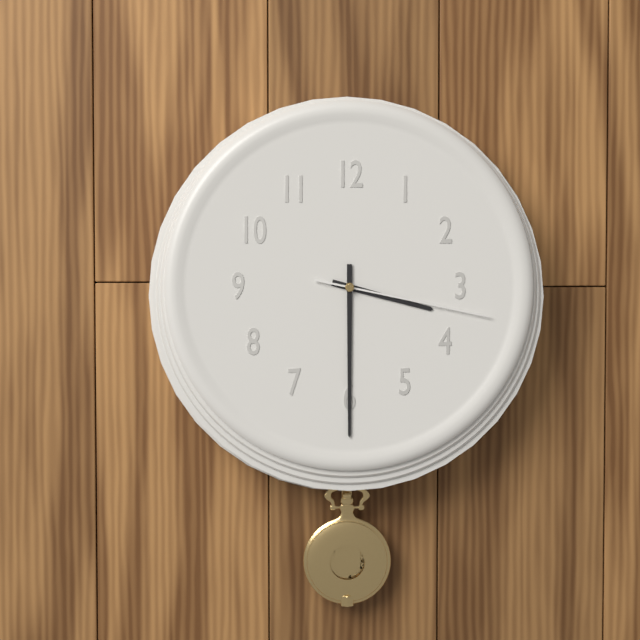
3:30:17
